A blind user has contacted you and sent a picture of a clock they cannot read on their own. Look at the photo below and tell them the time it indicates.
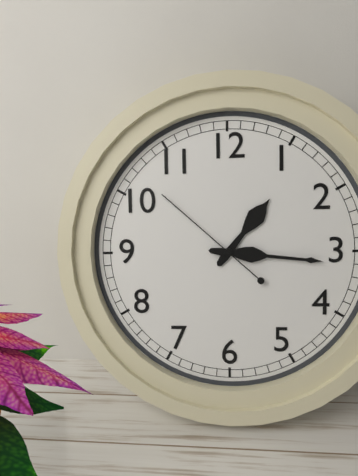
1:16:52
